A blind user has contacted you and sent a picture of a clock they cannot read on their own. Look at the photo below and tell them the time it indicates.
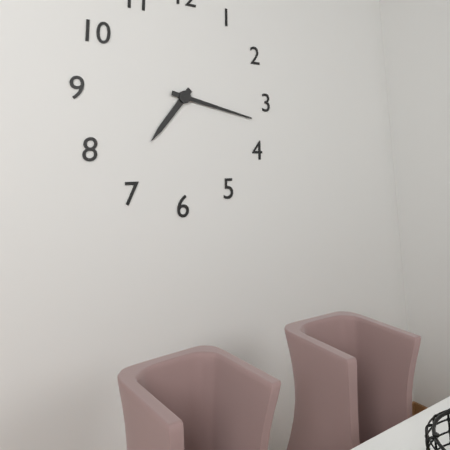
7:17
